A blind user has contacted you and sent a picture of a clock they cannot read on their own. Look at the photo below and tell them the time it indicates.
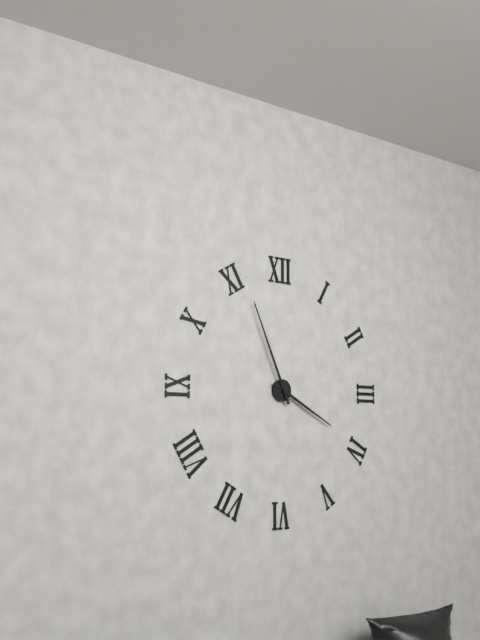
3:56
